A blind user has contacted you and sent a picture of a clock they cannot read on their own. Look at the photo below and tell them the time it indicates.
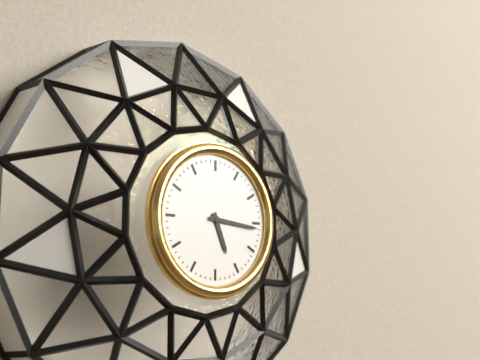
5:16
